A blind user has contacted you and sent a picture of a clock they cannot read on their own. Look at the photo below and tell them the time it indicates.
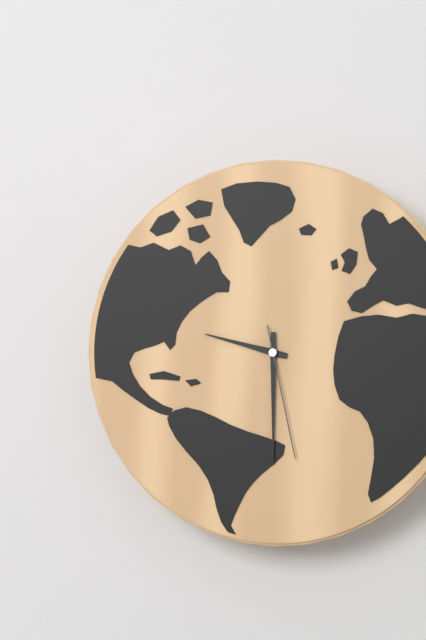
9:30:28
